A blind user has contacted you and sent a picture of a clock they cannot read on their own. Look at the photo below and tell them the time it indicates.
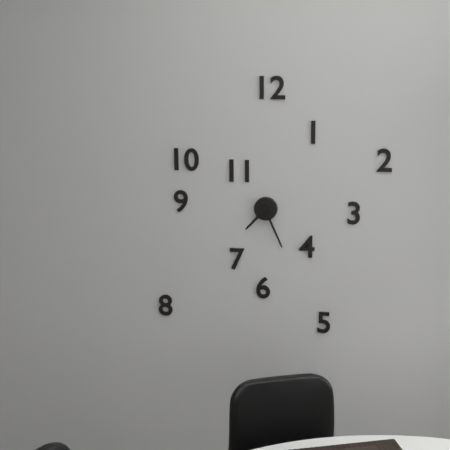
7:26
